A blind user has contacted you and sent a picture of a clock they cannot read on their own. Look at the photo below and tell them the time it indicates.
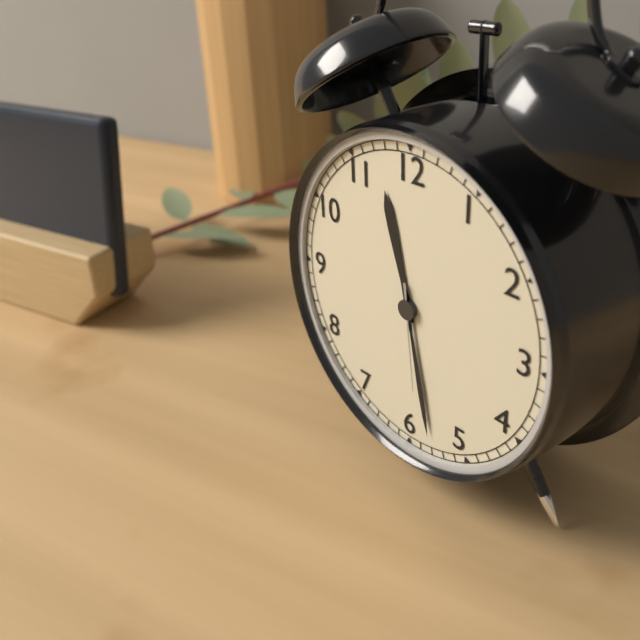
11:28:29
